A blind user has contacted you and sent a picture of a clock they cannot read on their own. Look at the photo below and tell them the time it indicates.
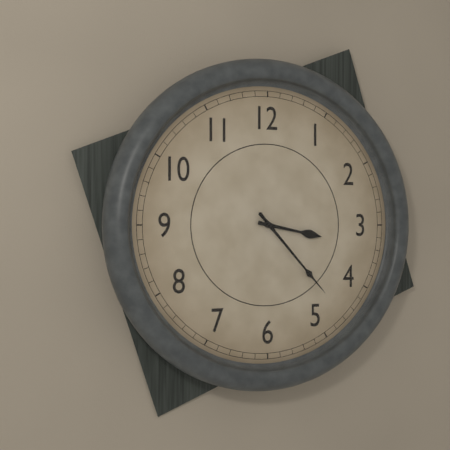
3:23
